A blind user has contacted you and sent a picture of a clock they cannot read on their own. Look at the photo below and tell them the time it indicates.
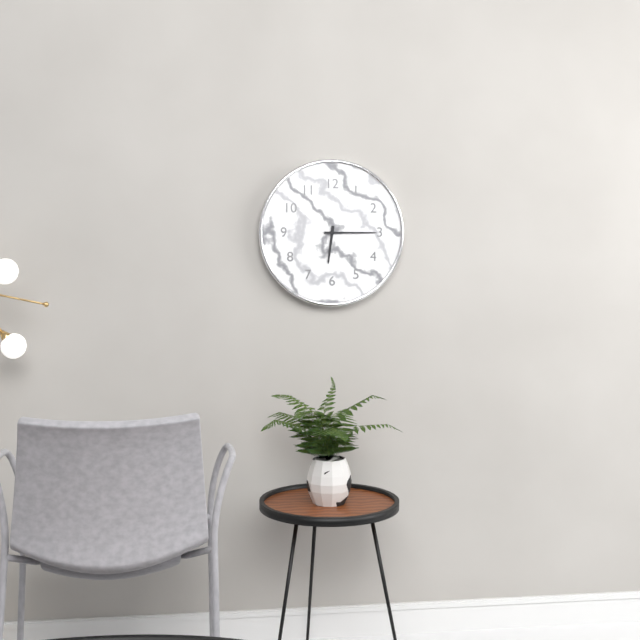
6:15
